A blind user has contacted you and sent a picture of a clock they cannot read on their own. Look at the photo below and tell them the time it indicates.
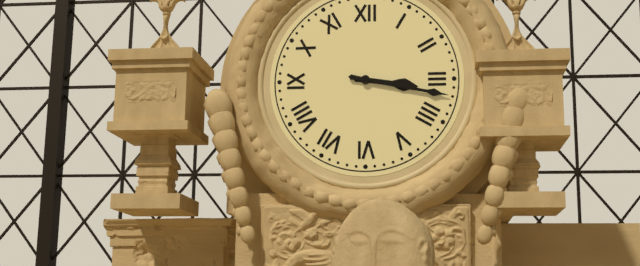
3:17
